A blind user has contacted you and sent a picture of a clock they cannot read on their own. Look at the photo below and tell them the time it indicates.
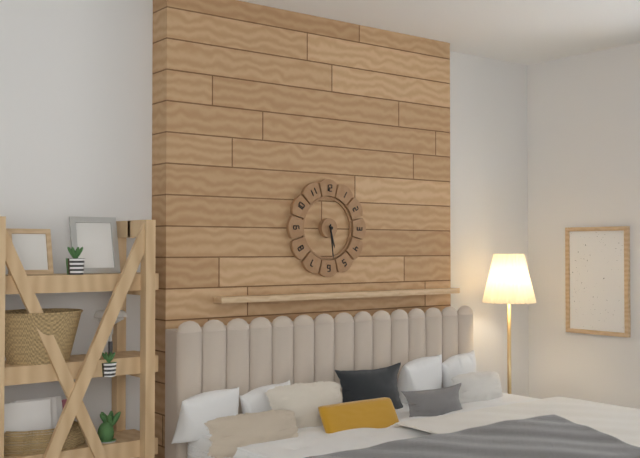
5:29
